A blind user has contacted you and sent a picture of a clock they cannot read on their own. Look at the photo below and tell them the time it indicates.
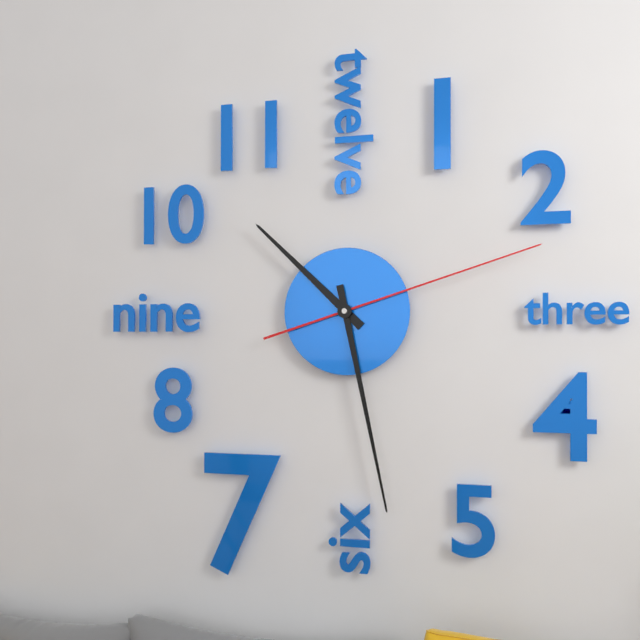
10:28:12
